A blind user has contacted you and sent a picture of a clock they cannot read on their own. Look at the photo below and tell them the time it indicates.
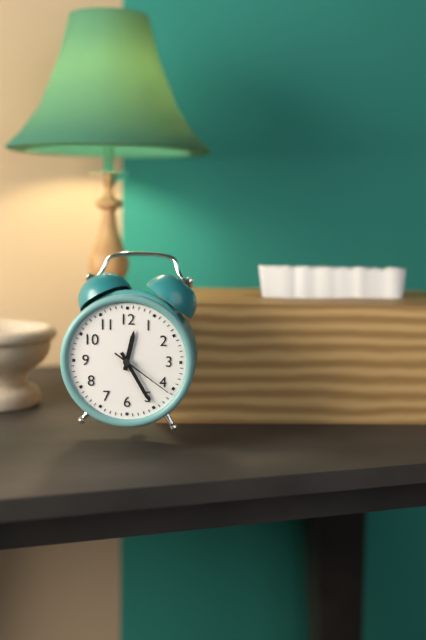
12:25:21
